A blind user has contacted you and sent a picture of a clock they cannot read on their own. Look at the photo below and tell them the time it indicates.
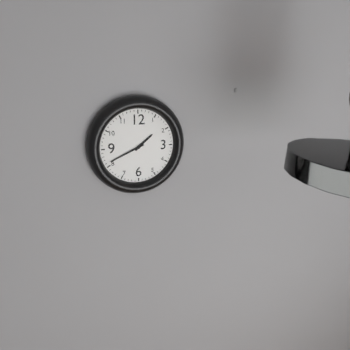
1:41
